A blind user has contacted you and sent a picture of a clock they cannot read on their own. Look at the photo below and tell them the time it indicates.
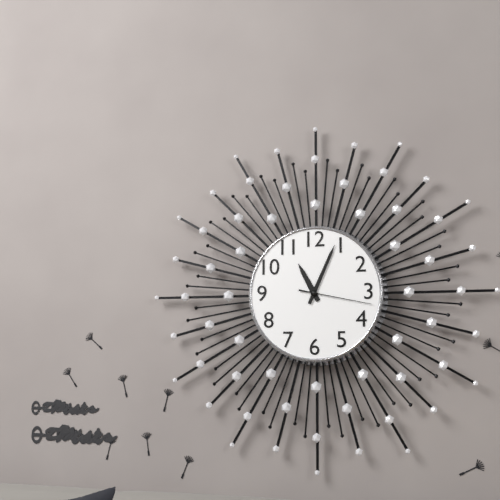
11:04:17
